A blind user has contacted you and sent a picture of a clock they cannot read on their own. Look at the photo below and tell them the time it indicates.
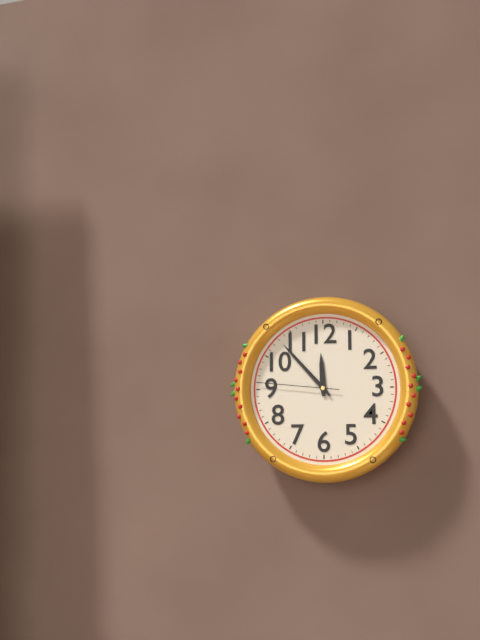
11:53:46
